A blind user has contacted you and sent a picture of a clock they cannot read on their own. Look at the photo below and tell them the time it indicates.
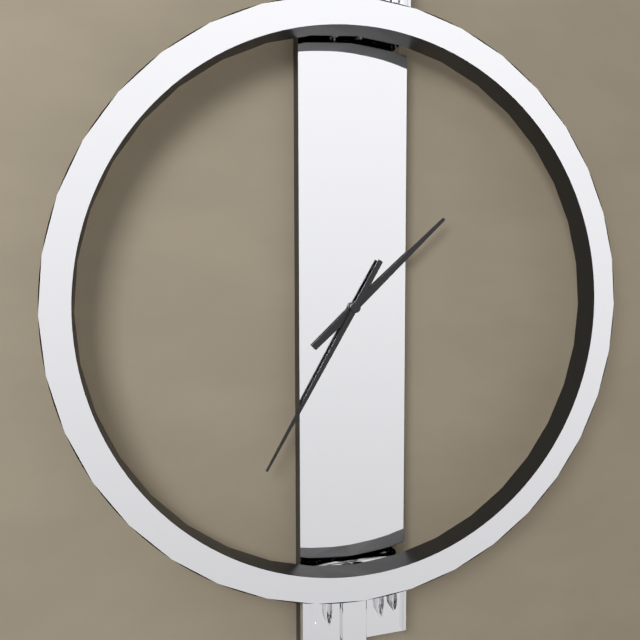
1:35
